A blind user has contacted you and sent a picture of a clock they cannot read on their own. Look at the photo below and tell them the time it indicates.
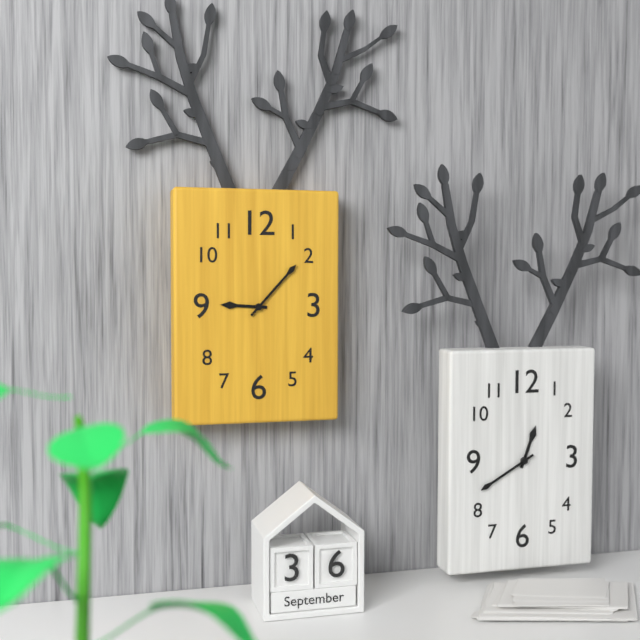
9:07
